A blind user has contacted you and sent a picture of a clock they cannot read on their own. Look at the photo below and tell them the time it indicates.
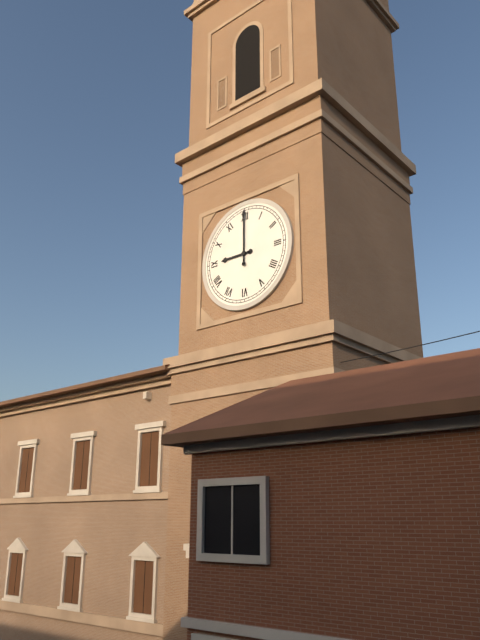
9:00
